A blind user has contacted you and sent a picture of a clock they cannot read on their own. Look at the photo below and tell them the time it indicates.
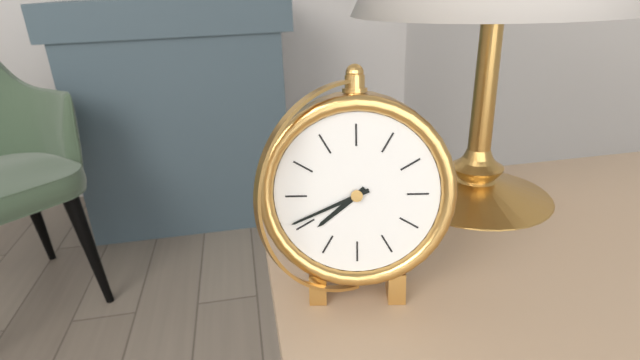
7:41
